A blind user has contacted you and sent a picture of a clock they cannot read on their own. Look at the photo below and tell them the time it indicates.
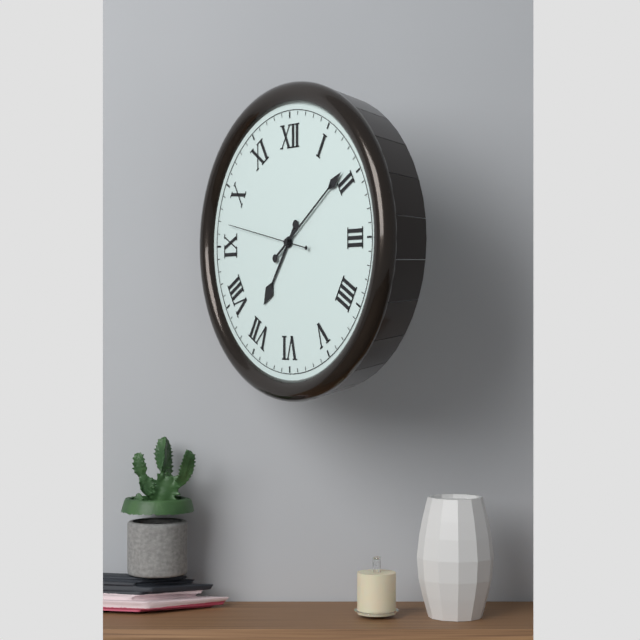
7:09:47
